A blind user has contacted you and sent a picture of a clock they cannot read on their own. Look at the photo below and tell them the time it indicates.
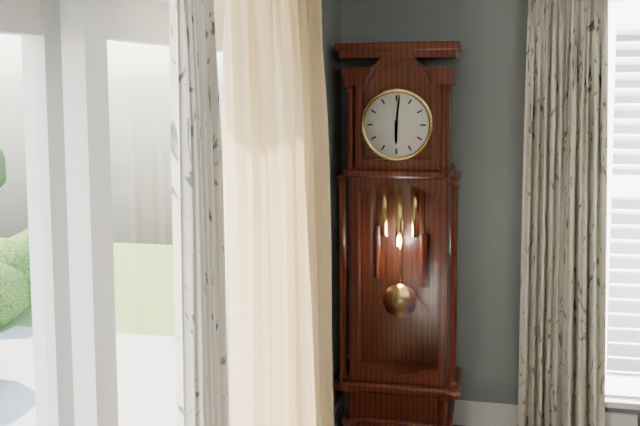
6:01
